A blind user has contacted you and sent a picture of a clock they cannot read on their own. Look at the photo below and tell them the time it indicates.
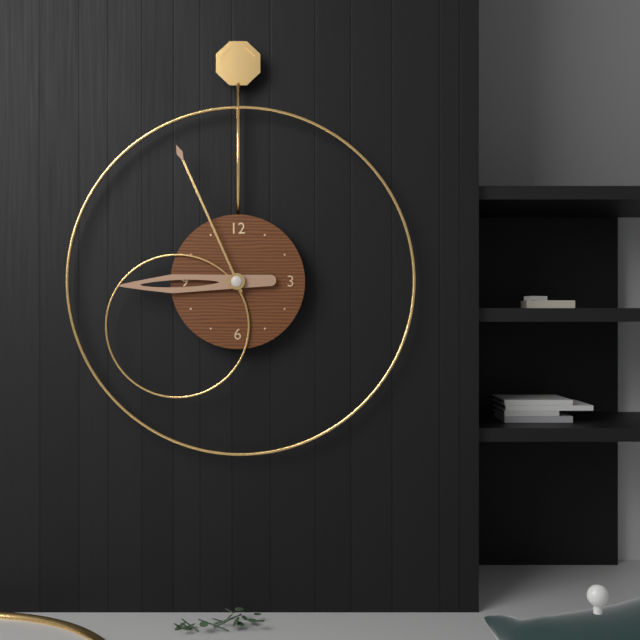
8:56
